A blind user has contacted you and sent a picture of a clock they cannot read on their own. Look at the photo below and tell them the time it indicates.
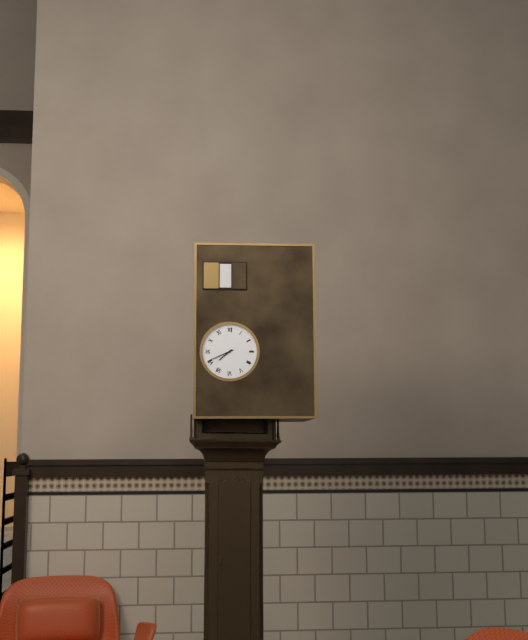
7:41
